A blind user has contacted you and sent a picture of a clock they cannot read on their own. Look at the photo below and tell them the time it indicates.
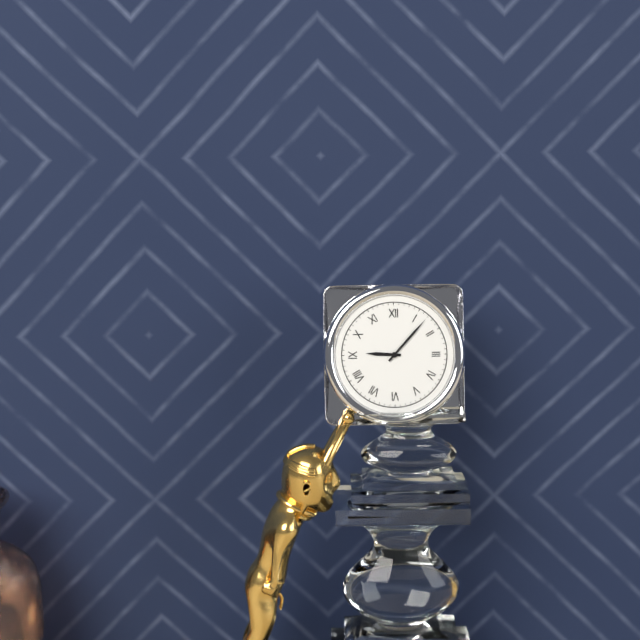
9:07
